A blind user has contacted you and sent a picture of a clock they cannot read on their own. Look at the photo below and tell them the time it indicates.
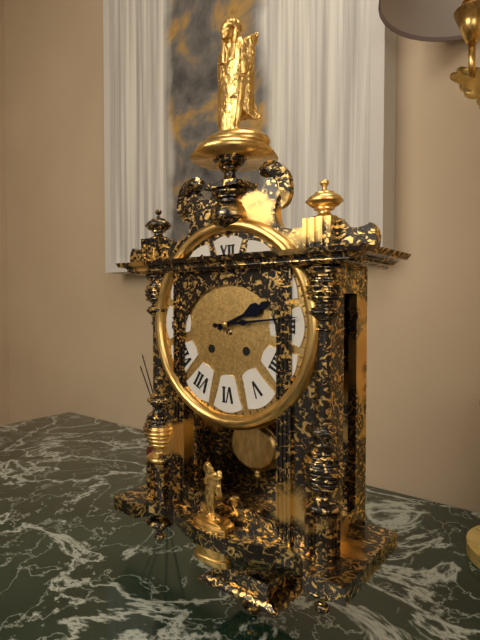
2:14
